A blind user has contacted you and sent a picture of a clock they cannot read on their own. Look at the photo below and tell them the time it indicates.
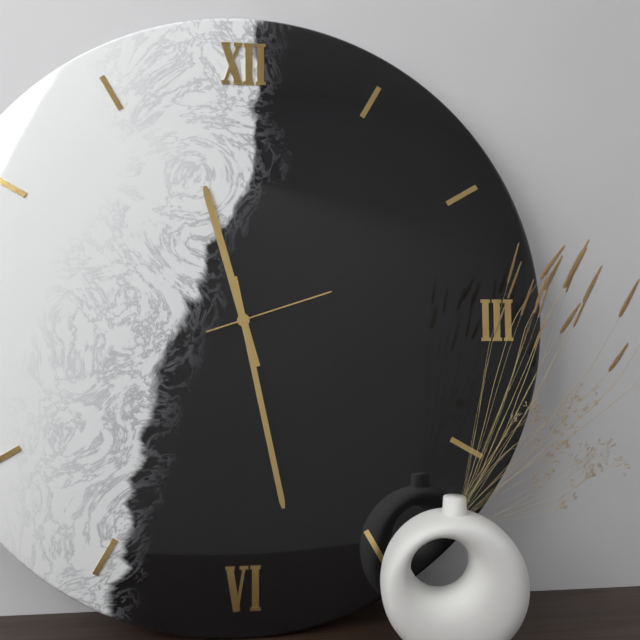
11:28:12
